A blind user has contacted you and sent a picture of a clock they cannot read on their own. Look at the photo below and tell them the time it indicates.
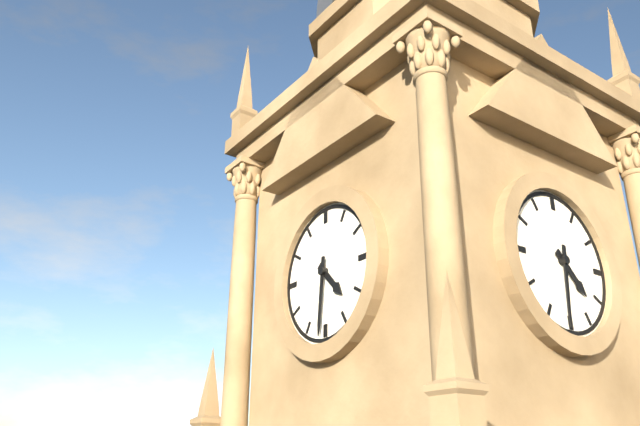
4:31
